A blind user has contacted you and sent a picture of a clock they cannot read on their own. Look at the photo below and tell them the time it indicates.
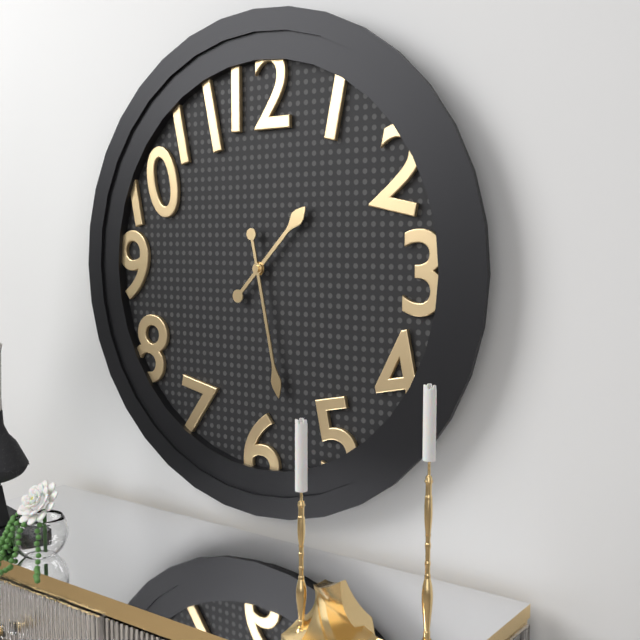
1:28
